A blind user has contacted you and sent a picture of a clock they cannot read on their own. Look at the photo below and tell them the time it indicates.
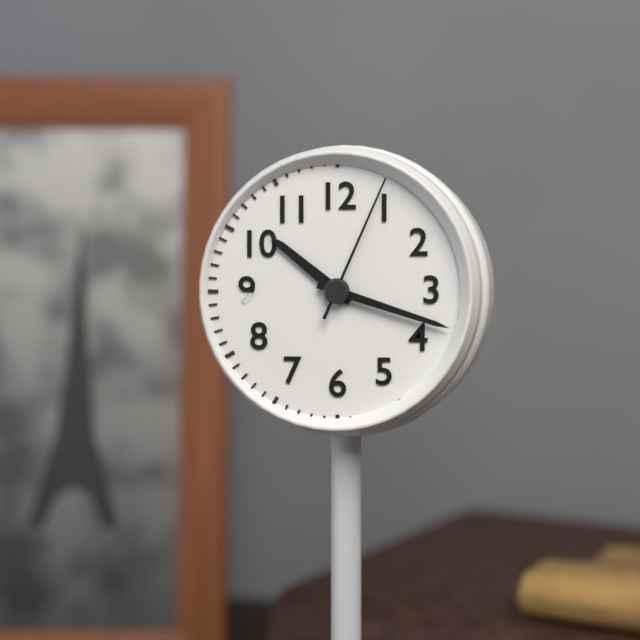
10:18:04
